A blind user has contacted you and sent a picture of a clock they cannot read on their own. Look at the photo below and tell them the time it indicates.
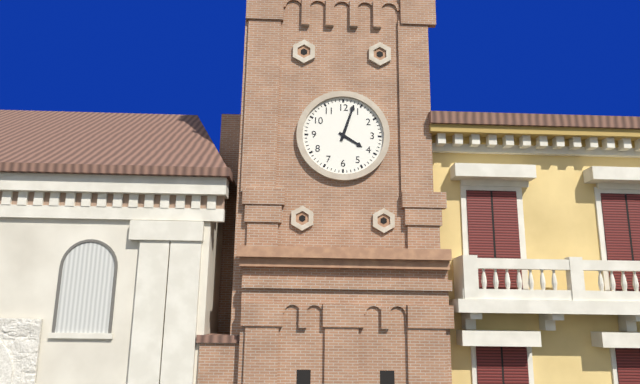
4:03
